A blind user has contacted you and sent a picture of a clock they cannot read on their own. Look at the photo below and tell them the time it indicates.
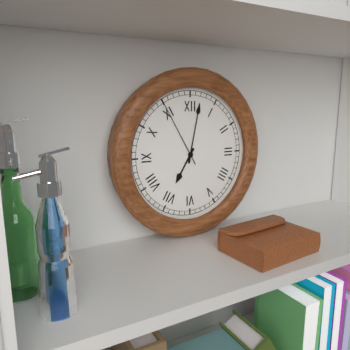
7:02:55
